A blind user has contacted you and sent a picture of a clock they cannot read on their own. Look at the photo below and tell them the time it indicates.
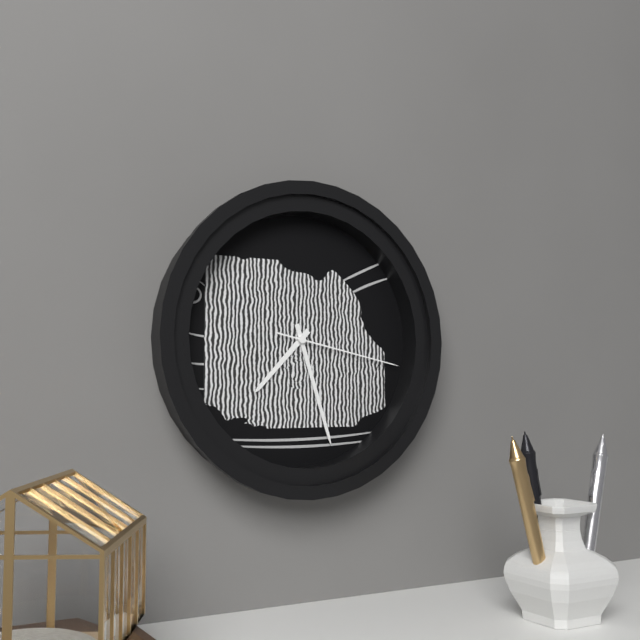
7:27:17
